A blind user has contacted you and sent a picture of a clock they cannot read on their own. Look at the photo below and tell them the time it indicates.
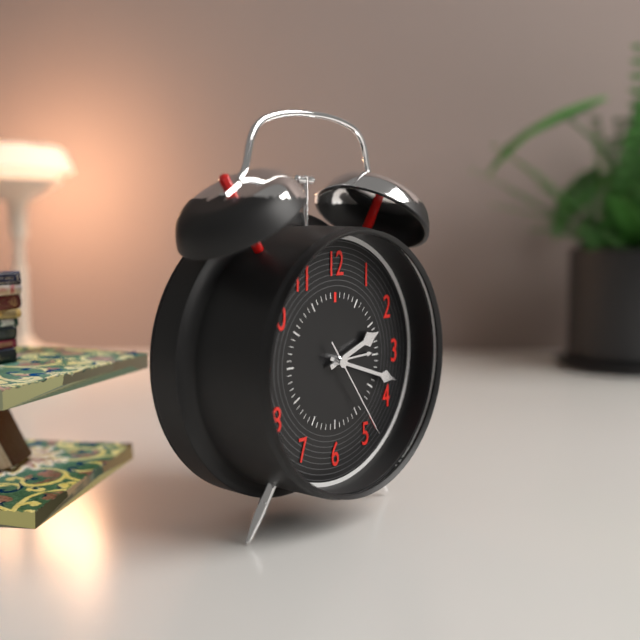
2:18:24
